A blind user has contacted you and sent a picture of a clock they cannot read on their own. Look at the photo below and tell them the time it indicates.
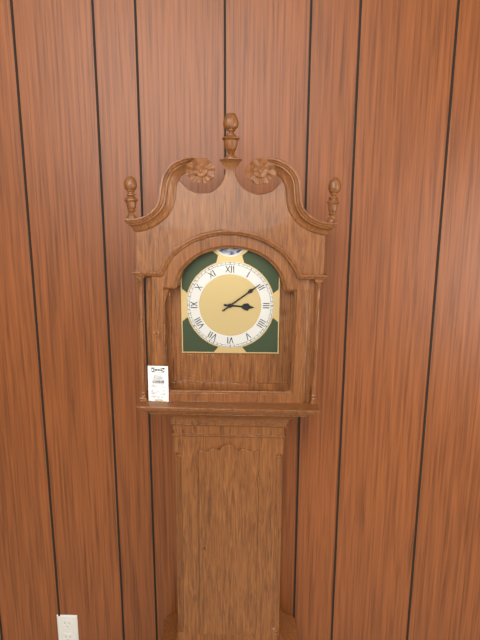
3:09
